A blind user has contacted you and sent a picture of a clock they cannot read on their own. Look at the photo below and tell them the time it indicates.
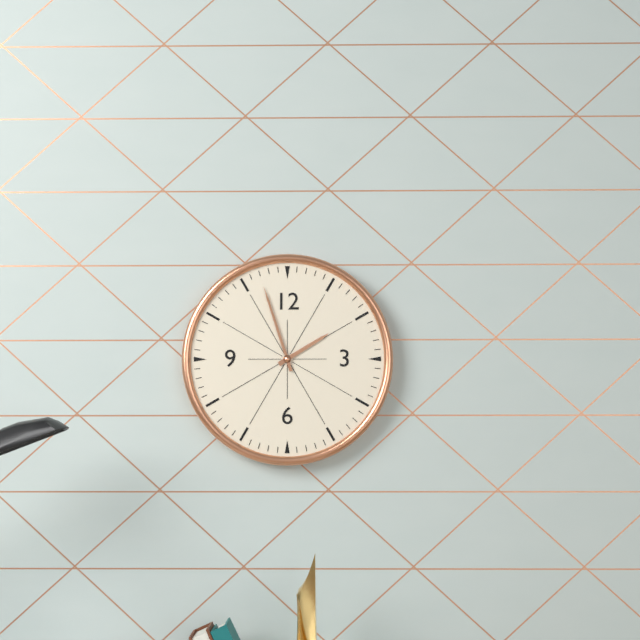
1:57
